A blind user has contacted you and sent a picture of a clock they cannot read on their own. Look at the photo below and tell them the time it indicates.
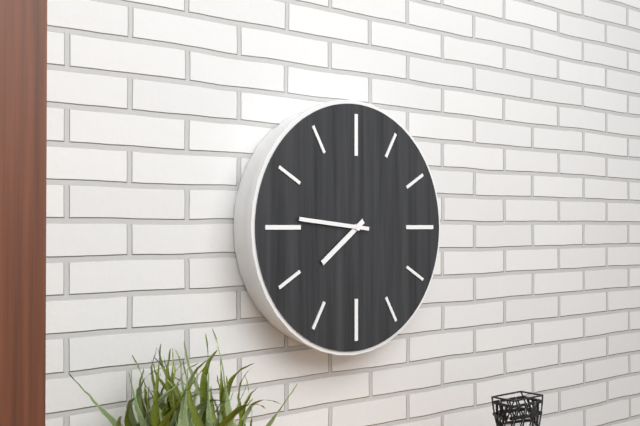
7:46
